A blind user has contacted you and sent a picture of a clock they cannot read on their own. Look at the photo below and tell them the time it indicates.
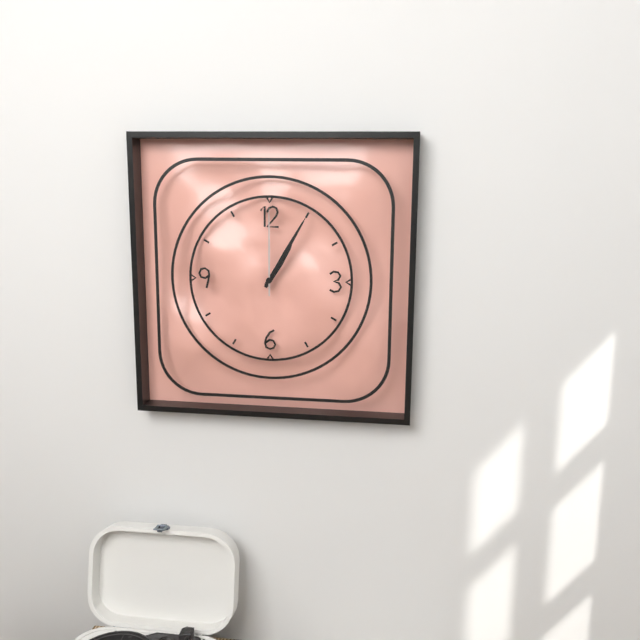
1:05:00
